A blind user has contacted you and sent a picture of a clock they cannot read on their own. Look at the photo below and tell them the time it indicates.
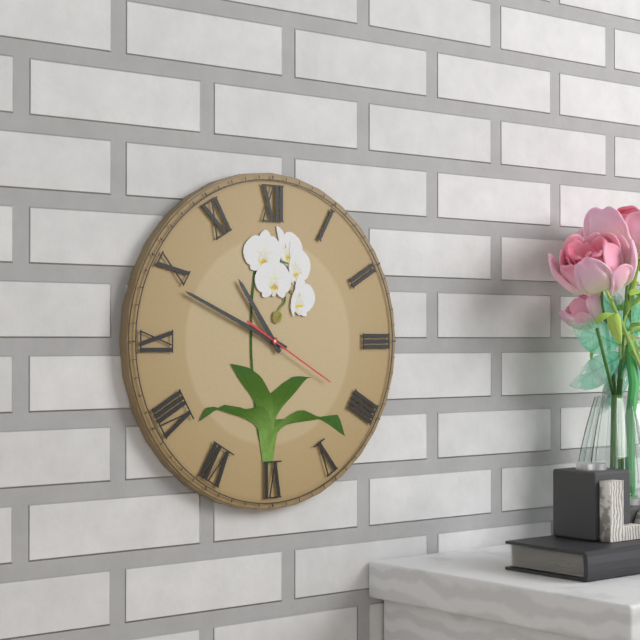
10:49:20
